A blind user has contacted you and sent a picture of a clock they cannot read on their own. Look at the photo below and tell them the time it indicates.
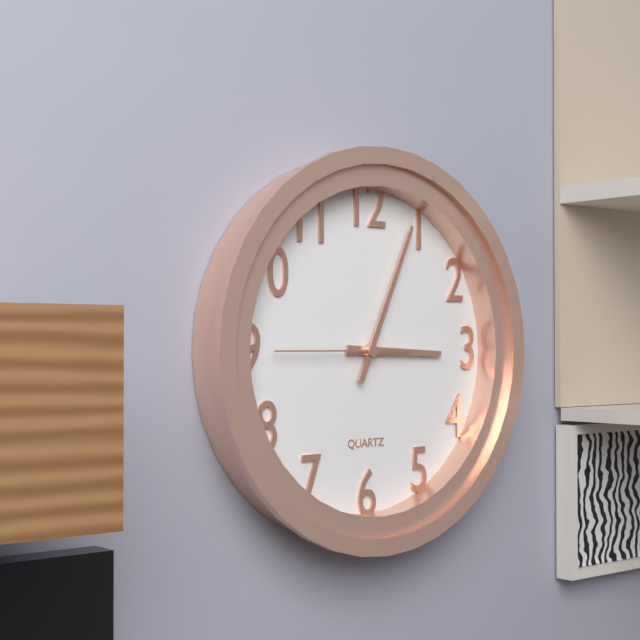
3:04:45
